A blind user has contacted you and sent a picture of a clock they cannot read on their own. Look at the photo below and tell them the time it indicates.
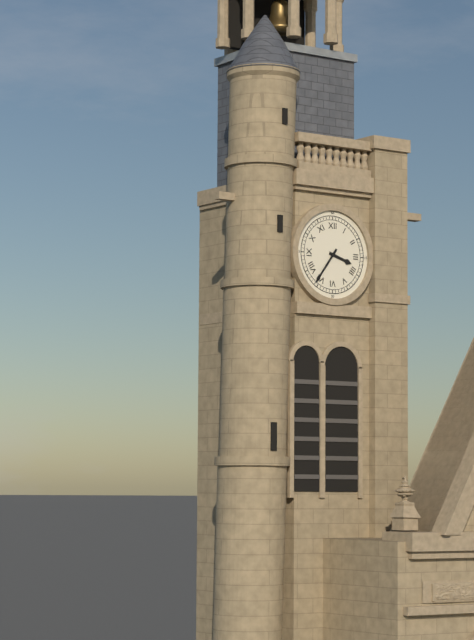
3:36
